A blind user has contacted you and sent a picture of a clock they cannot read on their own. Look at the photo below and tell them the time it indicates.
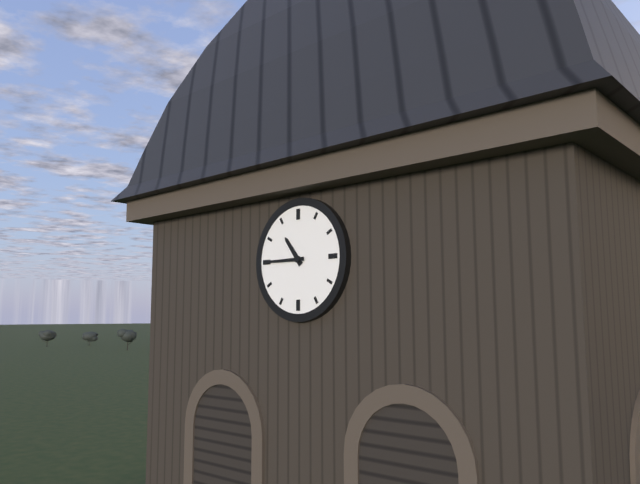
10:45
